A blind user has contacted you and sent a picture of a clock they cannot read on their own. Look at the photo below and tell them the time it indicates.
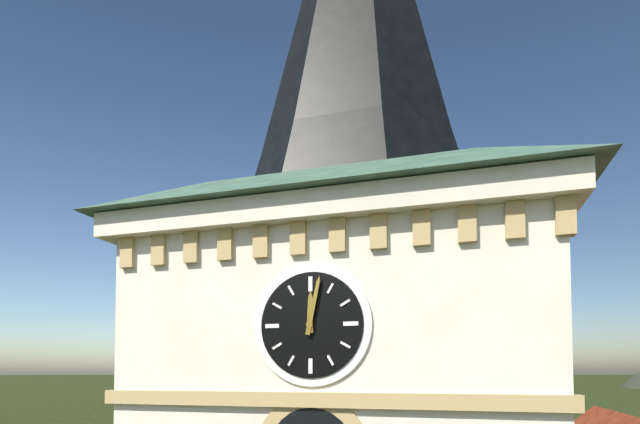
12:02
